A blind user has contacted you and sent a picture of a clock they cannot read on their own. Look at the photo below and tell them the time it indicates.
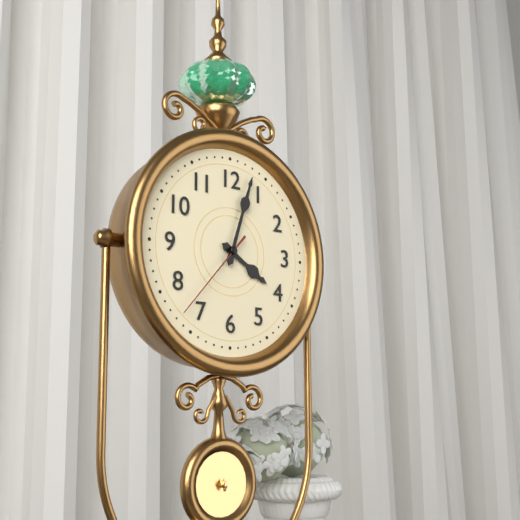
4:03:37
